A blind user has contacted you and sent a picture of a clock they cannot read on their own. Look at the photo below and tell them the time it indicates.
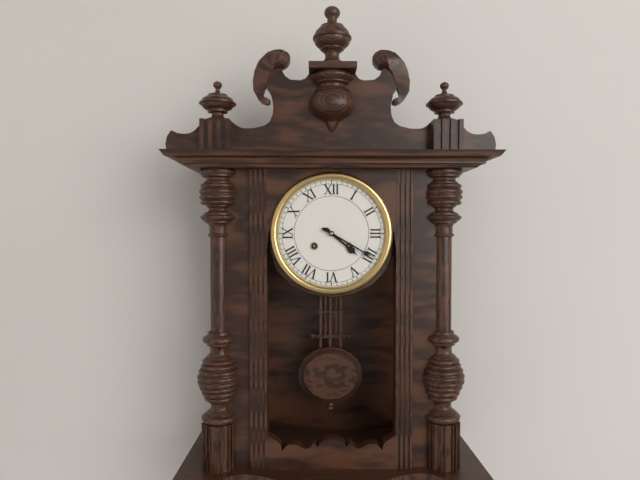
4:20
